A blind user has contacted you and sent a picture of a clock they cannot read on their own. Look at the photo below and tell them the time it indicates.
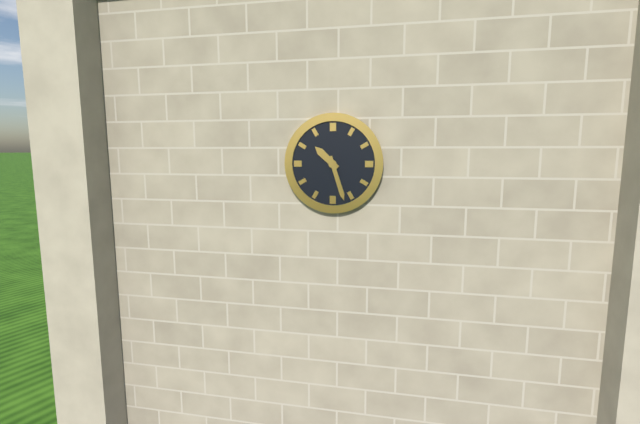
10:27
